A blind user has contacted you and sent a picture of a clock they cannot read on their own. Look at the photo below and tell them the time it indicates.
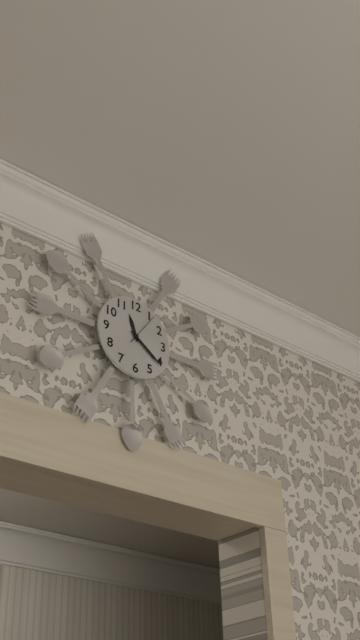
11:21
